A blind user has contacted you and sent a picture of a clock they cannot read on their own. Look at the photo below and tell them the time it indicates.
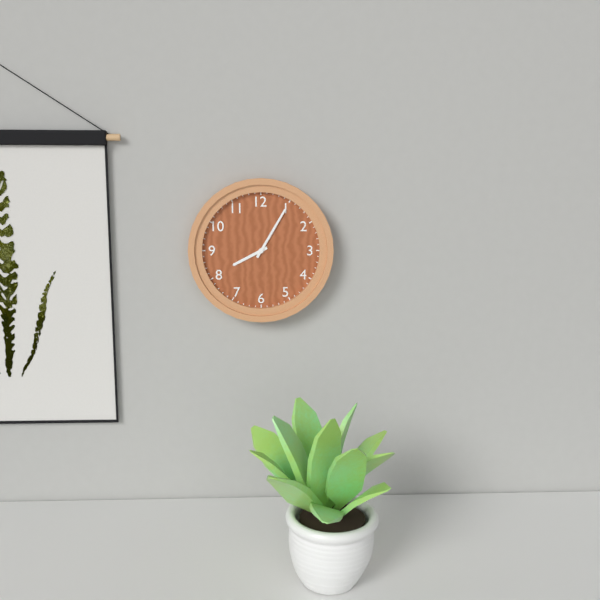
8:05
